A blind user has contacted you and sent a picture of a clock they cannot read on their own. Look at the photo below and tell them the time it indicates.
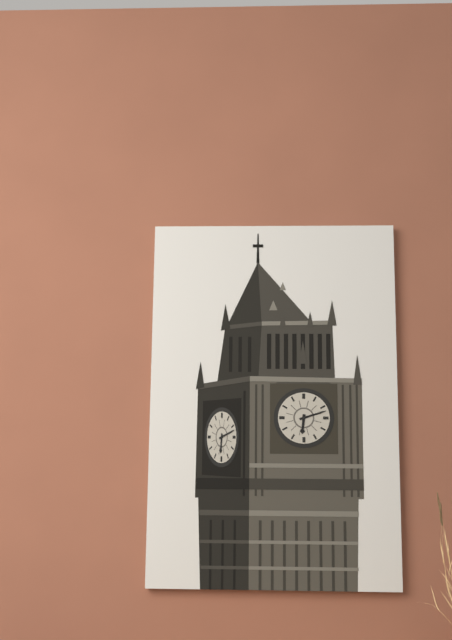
6:12
